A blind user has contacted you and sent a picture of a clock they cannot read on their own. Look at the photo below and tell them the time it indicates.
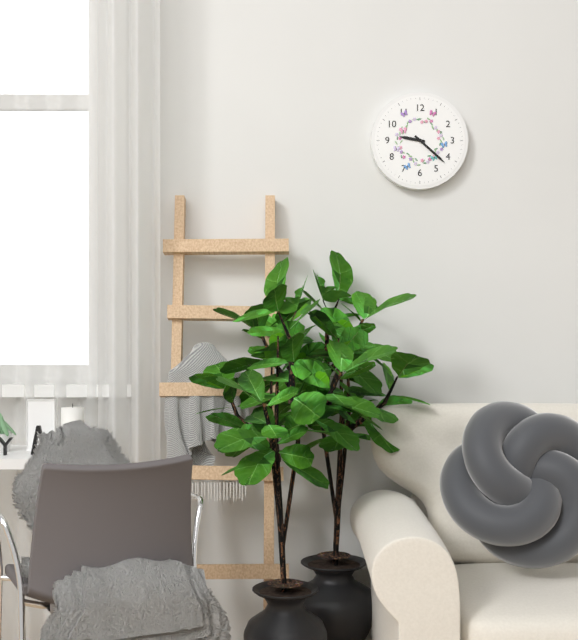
9:22
